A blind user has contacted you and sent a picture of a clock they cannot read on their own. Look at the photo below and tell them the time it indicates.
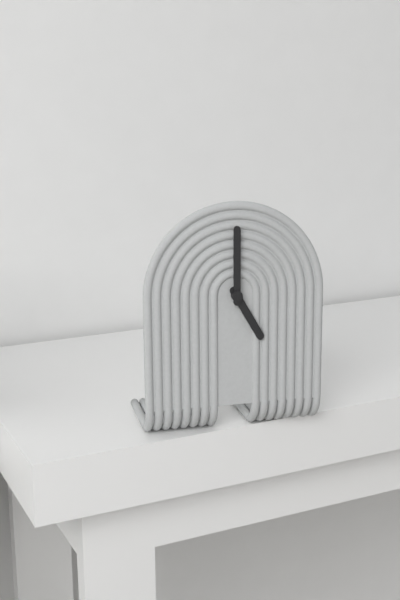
5:00
